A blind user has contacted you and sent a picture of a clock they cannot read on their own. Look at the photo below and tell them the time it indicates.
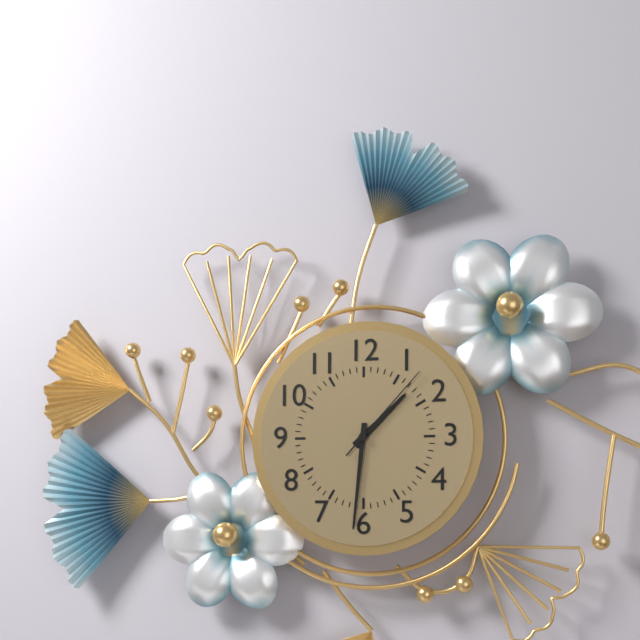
1:31:07
